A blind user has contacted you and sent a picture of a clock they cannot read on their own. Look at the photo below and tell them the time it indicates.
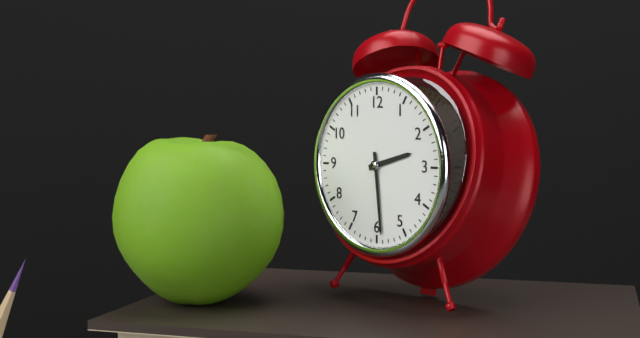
2:29
